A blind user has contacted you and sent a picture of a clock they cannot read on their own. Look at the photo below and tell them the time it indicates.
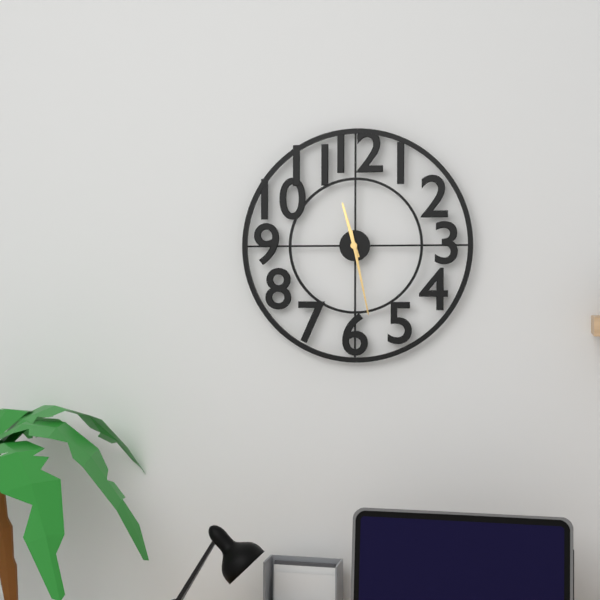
11:28
